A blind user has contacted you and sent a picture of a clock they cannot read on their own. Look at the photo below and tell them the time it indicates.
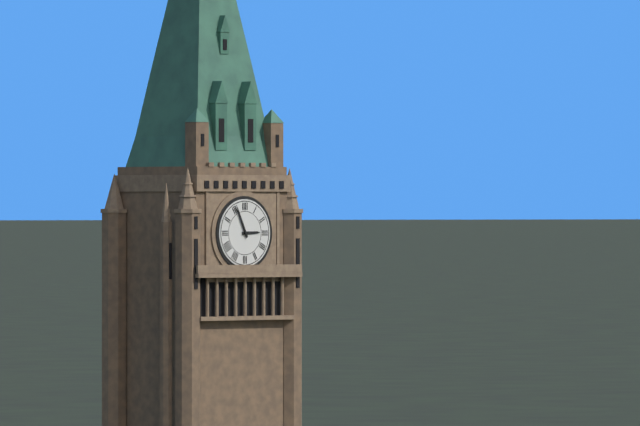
2:56
